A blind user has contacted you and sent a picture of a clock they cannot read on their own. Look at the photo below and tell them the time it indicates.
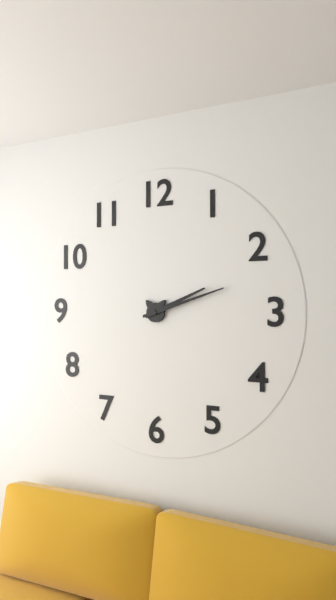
2:12
